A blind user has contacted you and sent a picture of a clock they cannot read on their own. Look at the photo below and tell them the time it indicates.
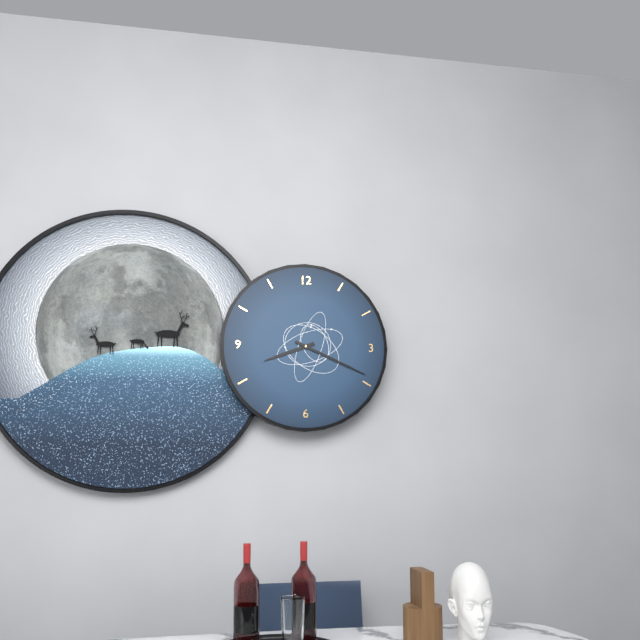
8:19
